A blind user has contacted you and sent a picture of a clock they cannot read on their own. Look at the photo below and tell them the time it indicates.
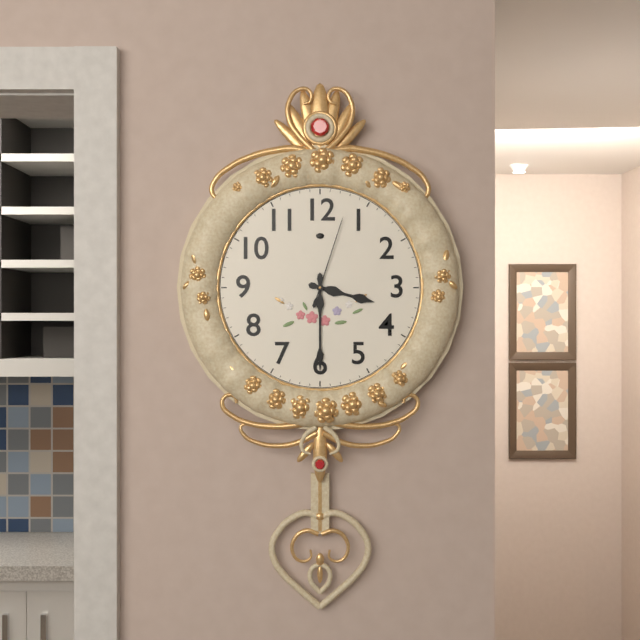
3:30:03
